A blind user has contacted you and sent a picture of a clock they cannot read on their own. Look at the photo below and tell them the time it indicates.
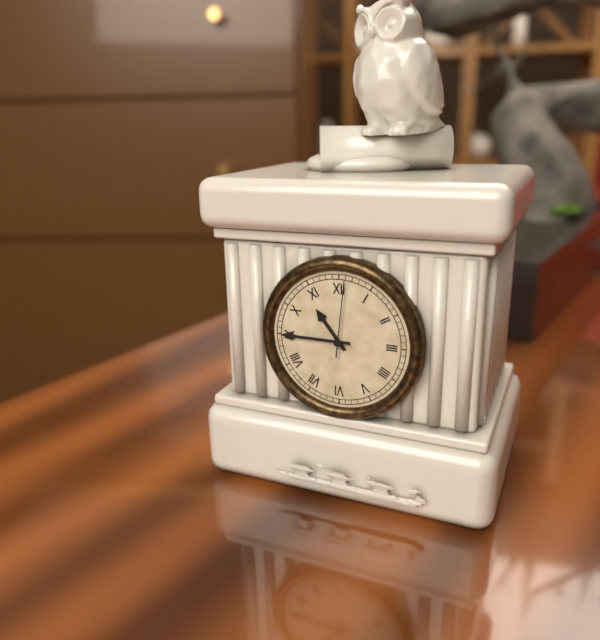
10:45:01
